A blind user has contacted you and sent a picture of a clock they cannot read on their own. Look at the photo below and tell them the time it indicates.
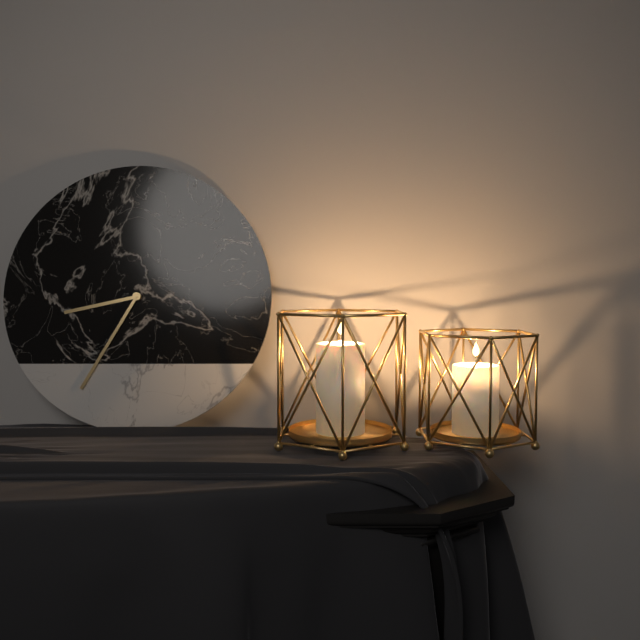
8:35
